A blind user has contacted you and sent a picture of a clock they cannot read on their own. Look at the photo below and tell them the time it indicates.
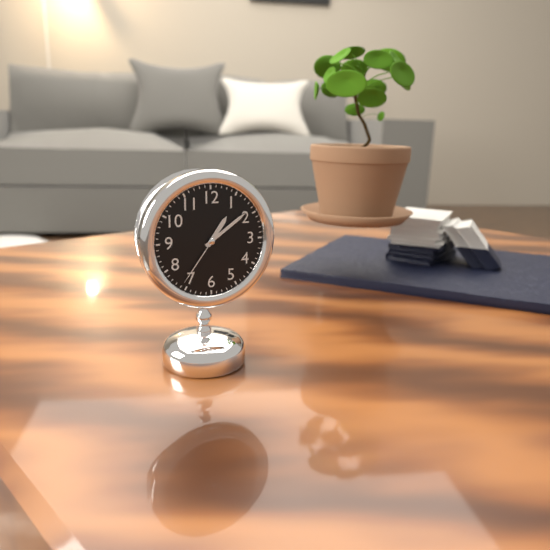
1:09:36
